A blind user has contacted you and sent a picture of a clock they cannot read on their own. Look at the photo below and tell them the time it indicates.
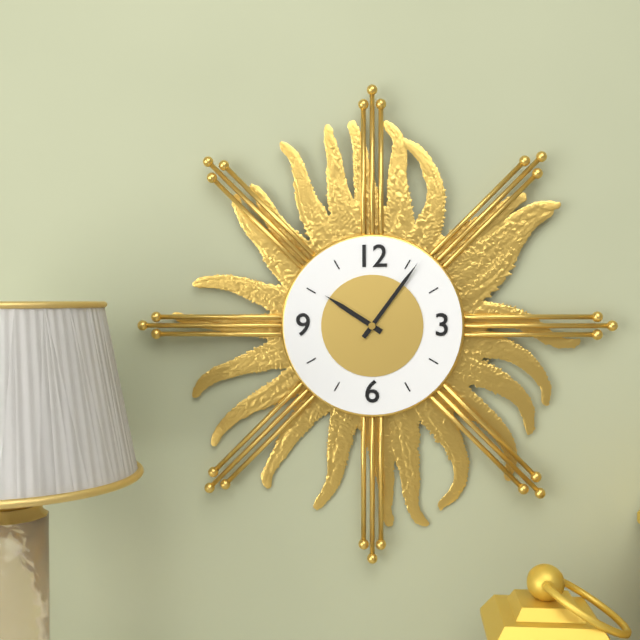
10:06
